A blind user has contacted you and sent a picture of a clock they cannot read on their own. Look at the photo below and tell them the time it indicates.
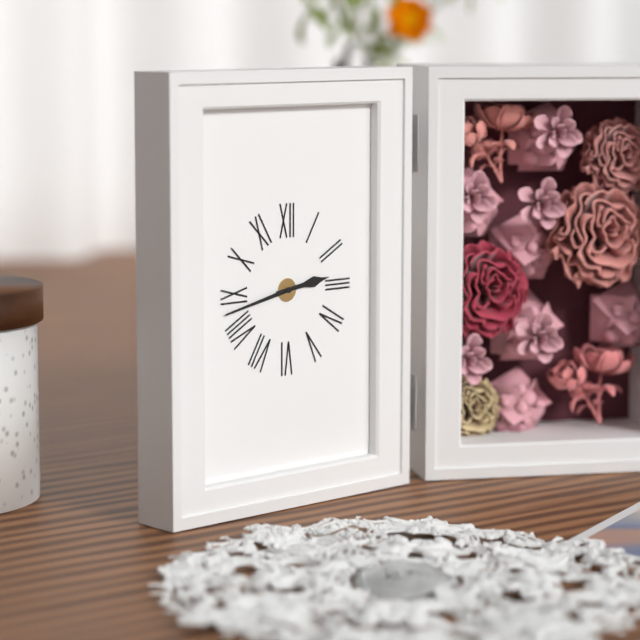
2:43
